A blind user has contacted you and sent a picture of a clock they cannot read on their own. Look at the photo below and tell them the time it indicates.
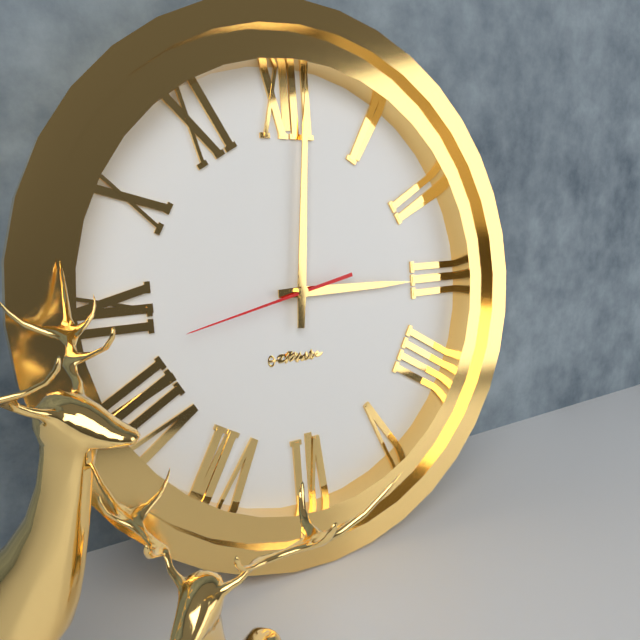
3:01:43
